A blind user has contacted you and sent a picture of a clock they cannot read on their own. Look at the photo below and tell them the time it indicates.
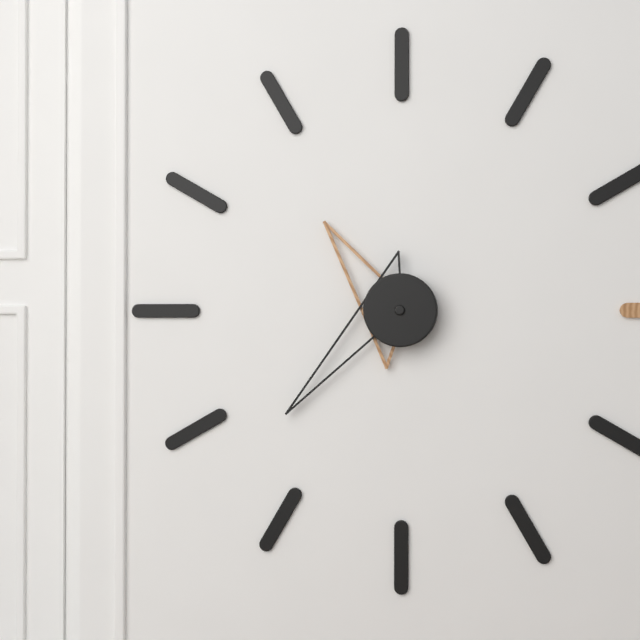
10:38
